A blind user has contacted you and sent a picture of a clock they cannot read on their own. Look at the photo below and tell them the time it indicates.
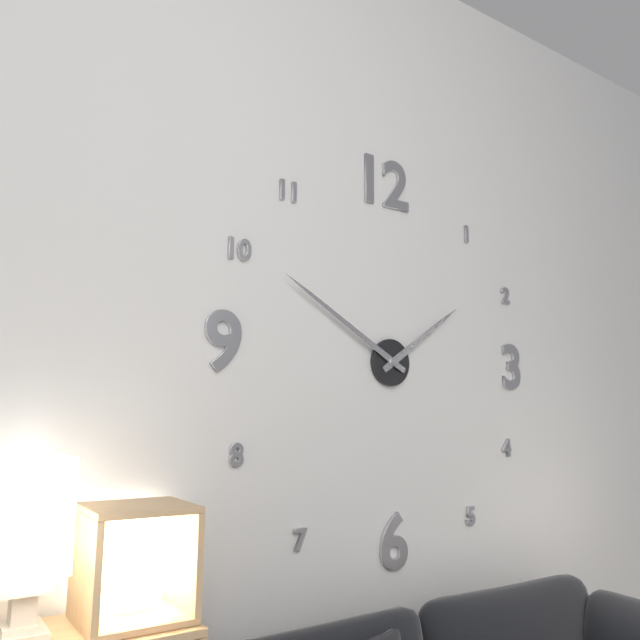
1:50
